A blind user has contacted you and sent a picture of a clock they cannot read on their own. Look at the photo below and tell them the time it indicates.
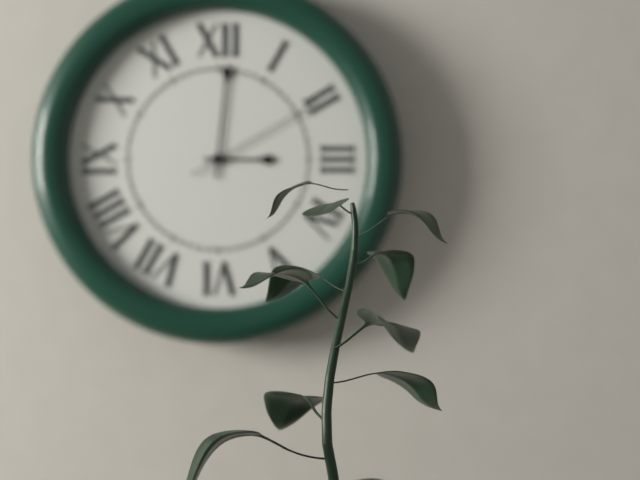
3:01:10
